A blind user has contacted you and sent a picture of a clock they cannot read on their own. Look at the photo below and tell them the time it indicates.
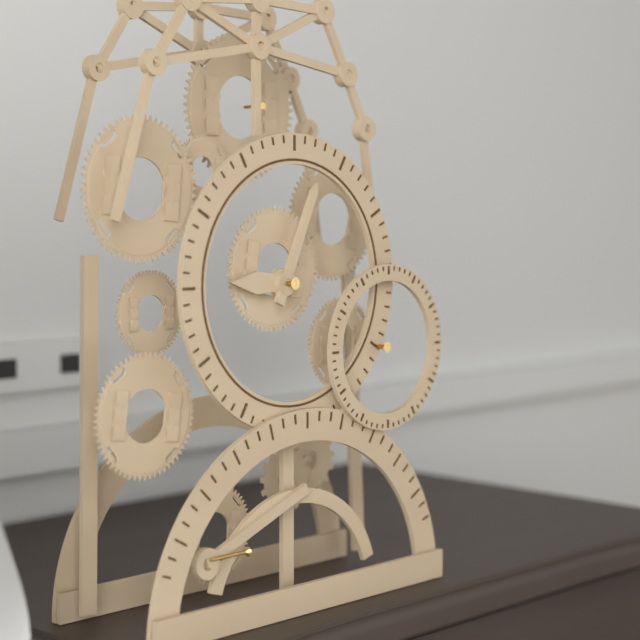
9:04
